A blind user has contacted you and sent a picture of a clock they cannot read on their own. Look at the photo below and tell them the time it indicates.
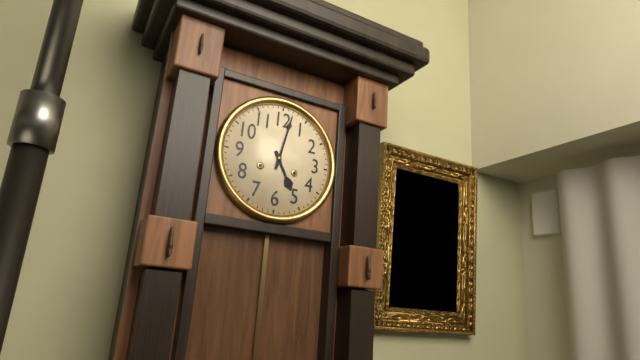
5:02
